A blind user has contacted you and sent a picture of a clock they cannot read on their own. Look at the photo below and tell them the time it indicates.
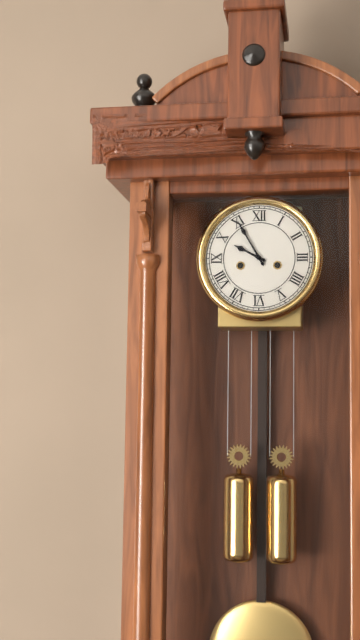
9:55
